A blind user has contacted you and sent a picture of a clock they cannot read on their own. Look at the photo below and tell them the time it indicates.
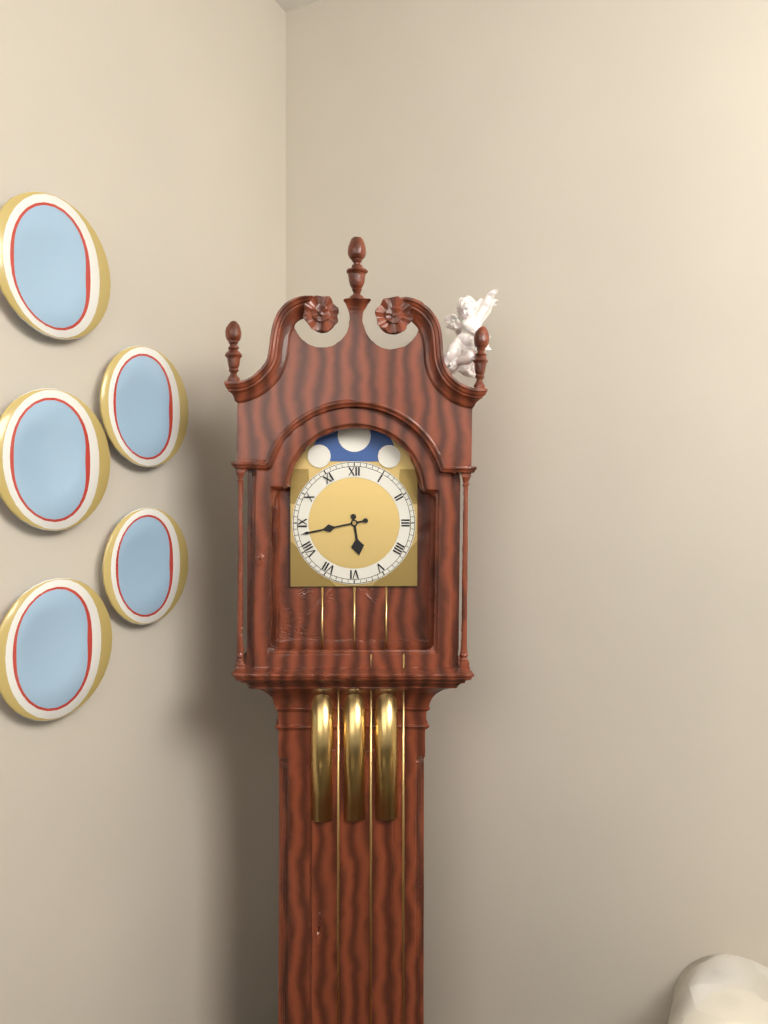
5:43
